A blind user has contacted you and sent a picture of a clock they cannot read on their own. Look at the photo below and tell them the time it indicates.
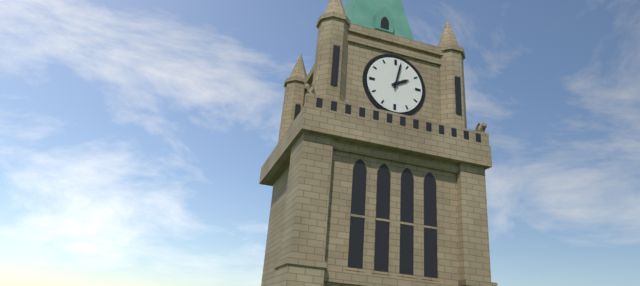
2:02
